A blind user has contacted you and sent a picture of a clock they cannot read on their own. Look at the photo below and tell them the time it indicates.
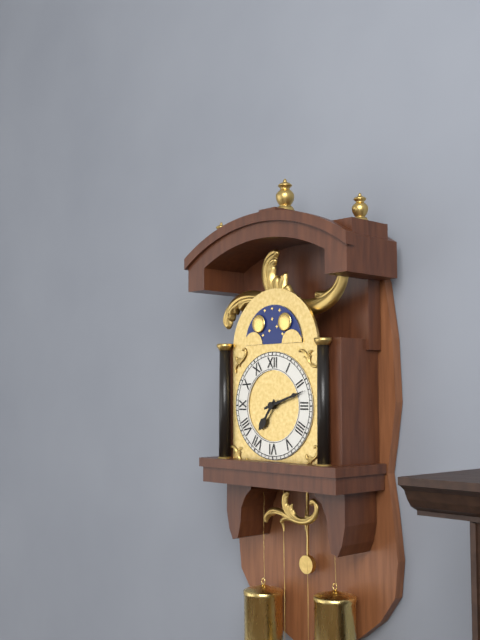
7:12
